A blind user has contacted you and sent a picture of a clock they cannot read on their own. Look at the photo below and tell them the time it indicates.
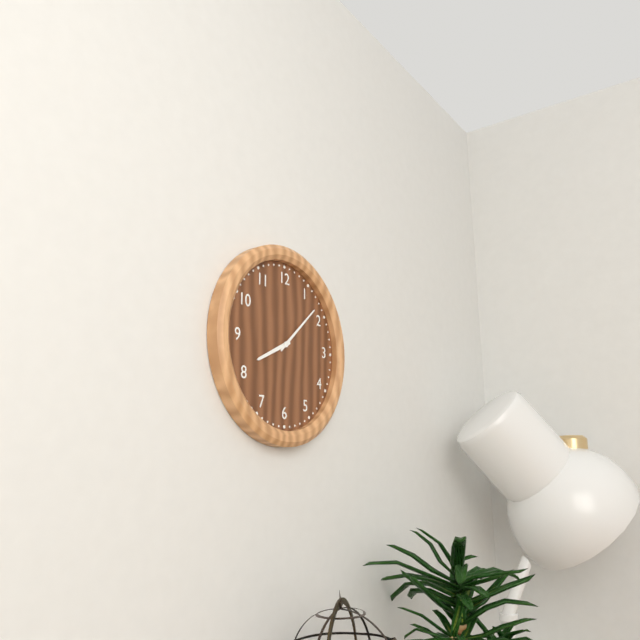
8:08
